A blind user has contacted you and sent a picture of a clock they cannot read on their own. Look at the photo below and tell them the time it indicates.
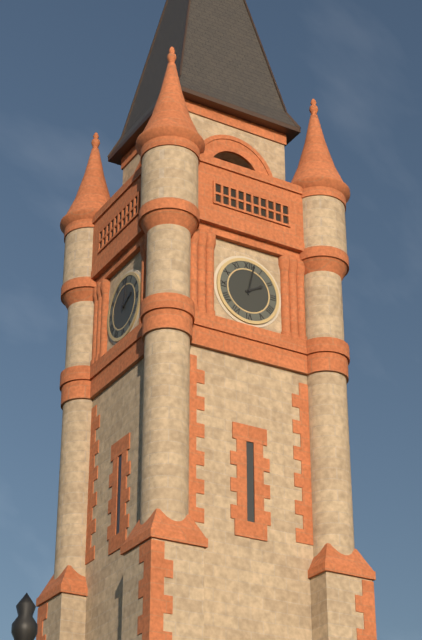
2:02
